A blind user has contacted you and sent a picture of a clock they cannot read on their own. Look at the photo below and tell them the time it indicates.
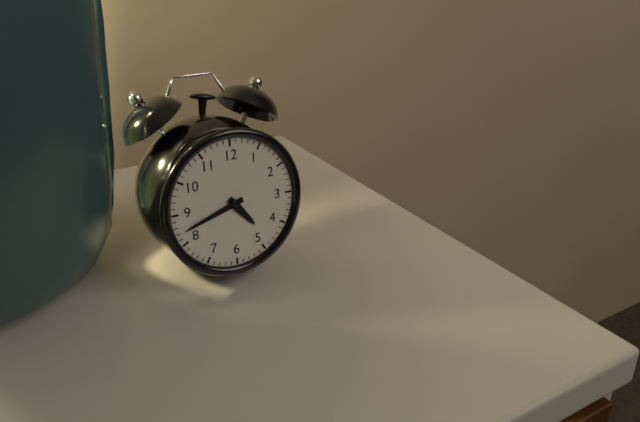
4:42
